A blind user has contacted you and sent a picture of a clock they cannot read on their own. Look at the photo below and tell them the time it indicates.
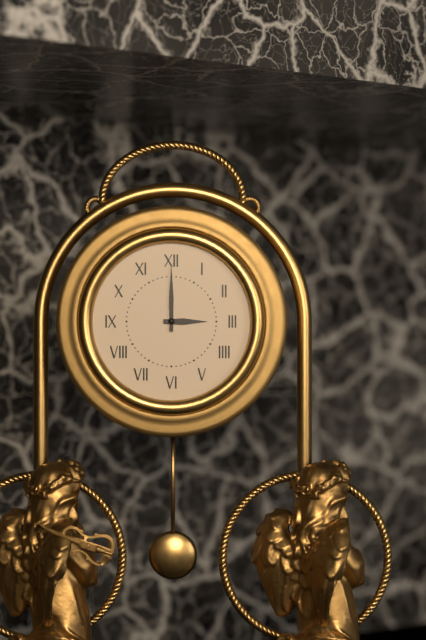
3:00
